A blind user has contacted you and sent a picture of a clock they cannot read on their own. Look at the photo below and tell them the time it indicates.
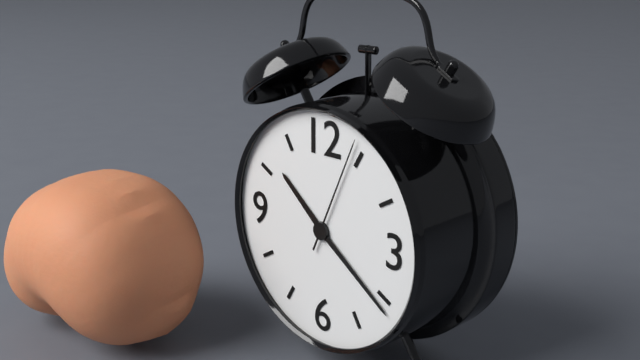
10:21:04
